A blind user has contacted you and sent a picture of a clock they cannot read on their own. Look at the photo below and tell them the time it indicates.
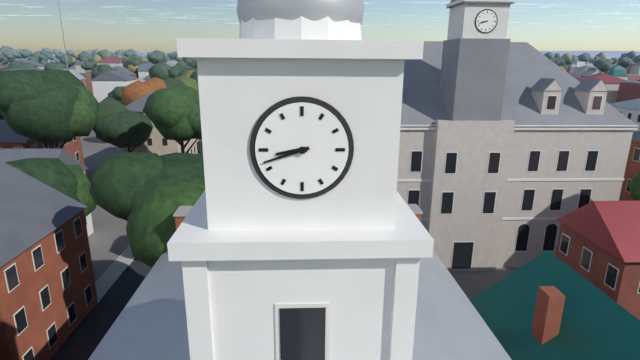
8:42
